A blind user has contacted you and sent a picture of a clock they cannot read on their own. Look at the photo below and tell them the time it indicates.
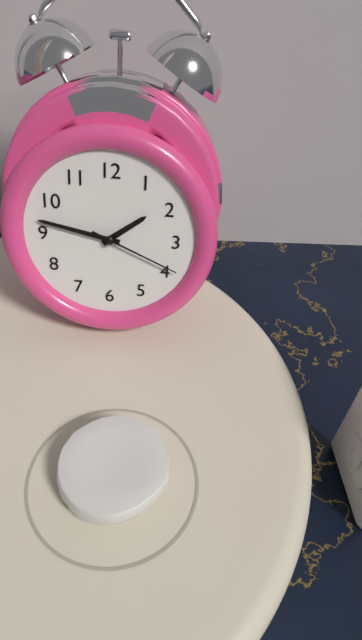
1:47:19
